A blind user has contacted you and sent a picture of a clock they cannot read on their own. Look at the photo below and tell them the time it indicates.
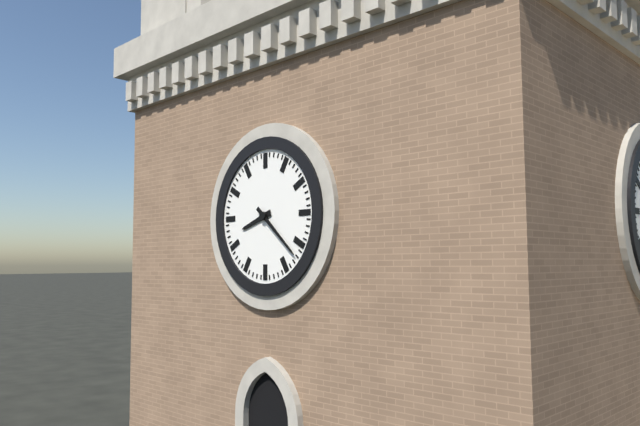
8:22
